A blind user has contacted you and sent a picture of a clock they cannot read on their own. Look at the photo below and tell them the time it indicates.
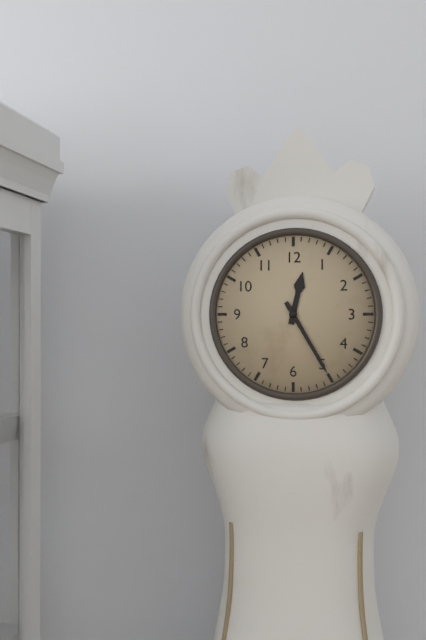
12:25
